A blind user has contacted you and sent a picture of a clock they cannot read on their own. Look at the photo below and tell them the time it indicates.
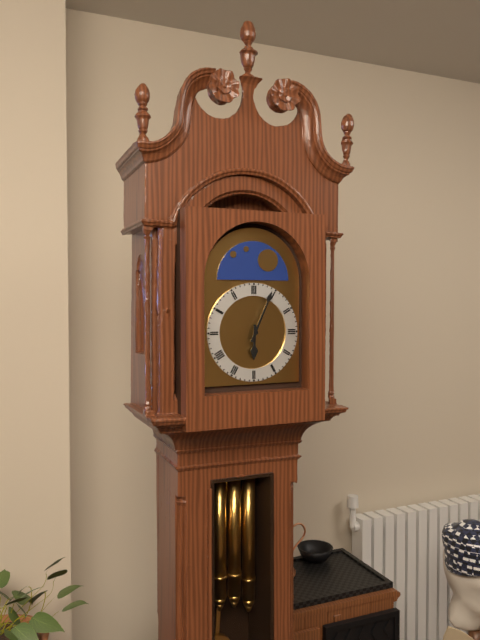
6:04
